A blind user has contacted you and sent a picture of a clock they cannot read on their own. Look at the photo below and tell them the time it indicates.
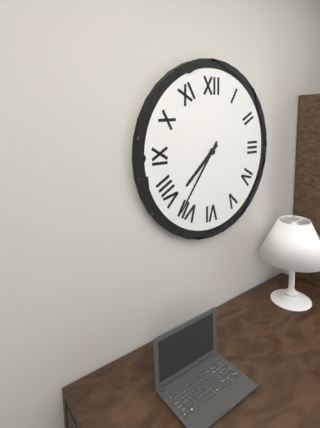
7:36
